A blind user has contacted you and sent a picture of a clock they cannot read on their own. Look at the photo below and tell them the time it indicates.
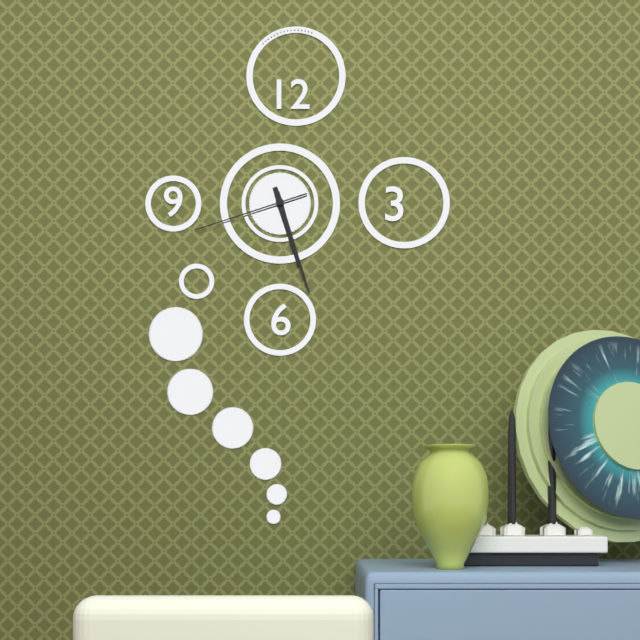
5:27:42
